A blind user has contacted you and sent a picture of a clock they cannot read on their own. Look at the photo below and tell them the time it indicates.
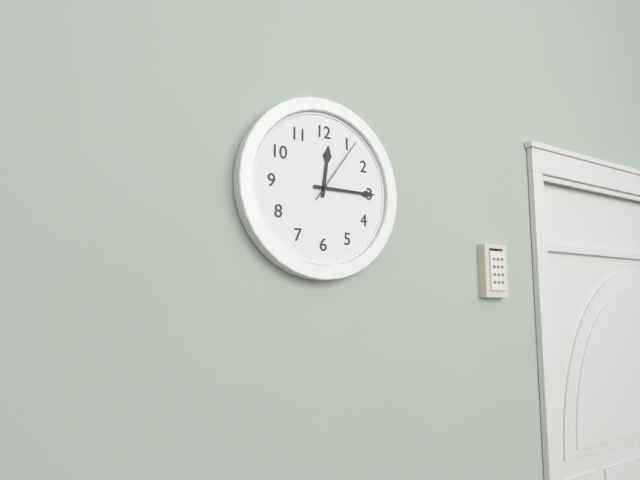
12:15:06
